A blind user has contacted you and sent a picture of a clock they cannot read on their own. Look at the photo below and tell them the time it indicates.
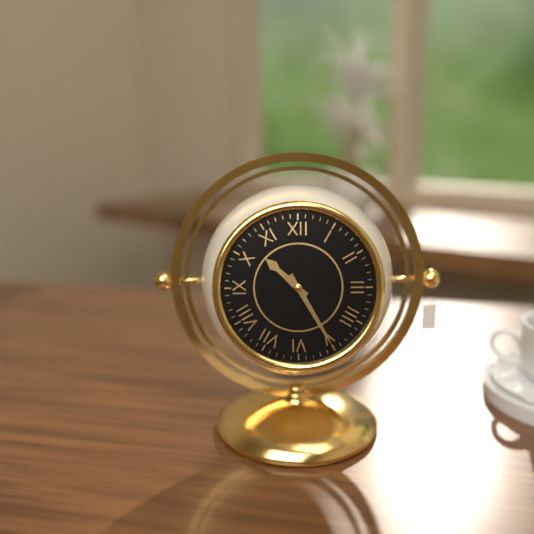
10:25
